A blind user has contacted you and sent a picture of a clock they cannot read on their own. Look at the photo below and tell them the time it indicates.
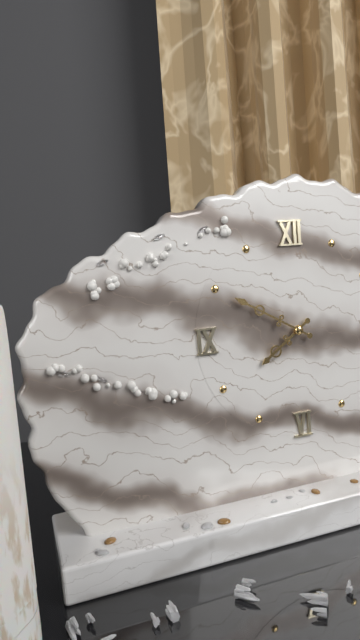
7:50
